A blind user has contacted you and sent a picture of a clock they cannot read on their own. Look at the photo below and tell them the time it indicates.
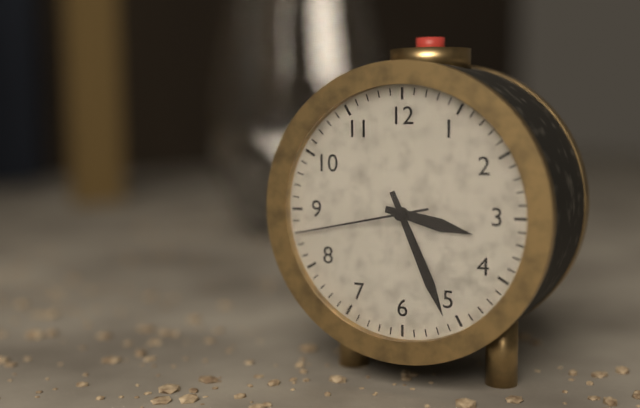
3:26:43
